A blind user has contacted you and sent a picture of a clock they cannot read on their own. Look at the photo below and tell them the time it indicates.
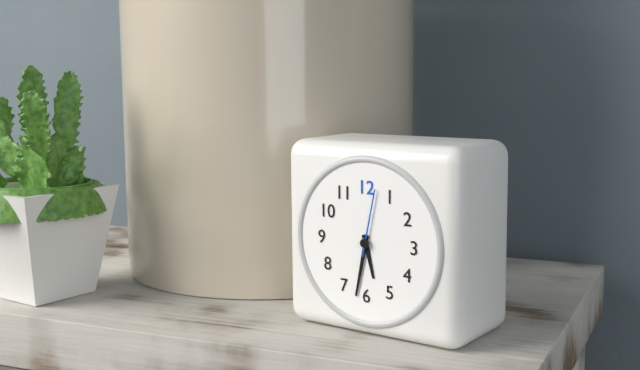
5:32:02
